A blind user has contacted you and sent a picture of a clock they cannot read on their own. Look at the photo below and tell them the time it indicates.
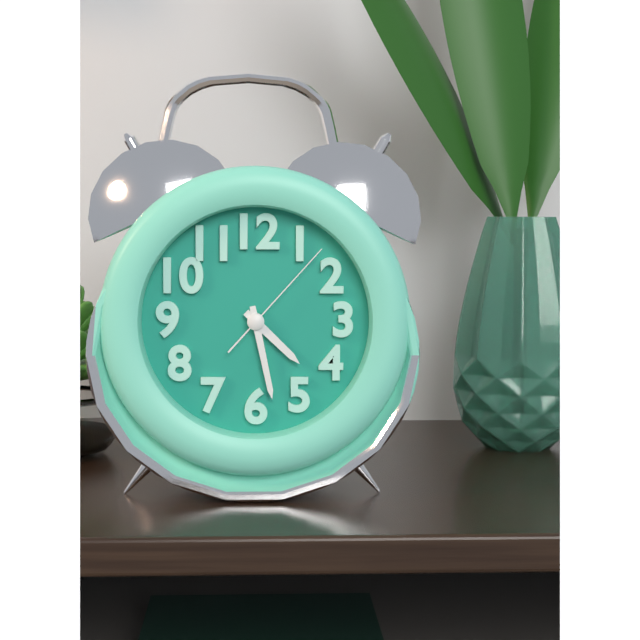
4:28:07
